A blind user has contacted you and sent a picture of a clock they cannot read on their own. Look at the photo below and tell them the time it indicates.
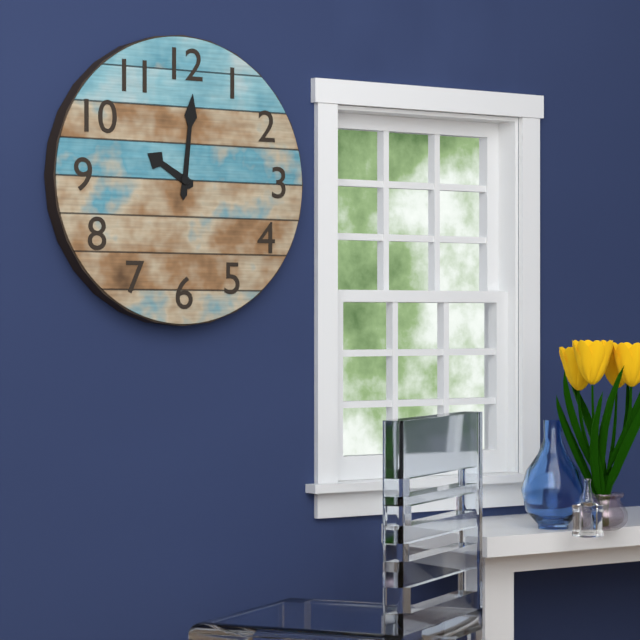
10:01
